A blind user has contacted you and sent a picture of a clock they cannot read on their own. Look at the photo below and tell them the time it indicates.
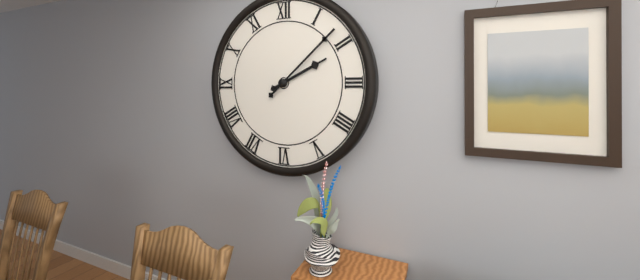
2:08
